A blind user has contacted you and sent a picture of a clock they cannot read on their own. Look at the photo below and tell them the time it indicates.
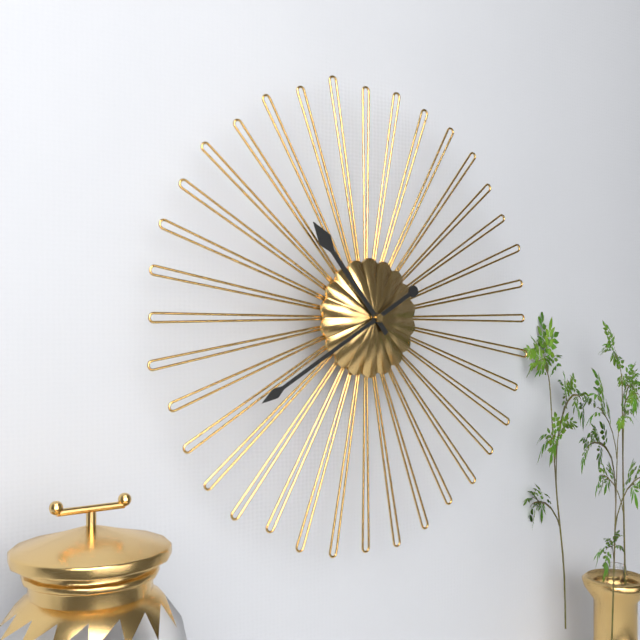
10:40
